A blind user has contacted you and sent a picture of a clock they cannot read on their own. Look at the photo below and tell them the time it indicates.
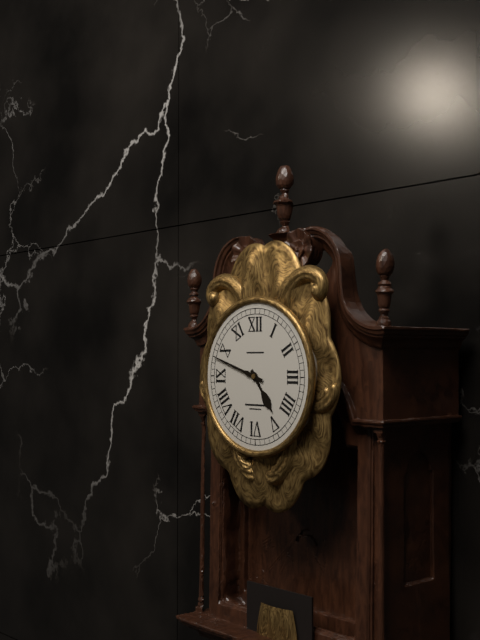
4:48
